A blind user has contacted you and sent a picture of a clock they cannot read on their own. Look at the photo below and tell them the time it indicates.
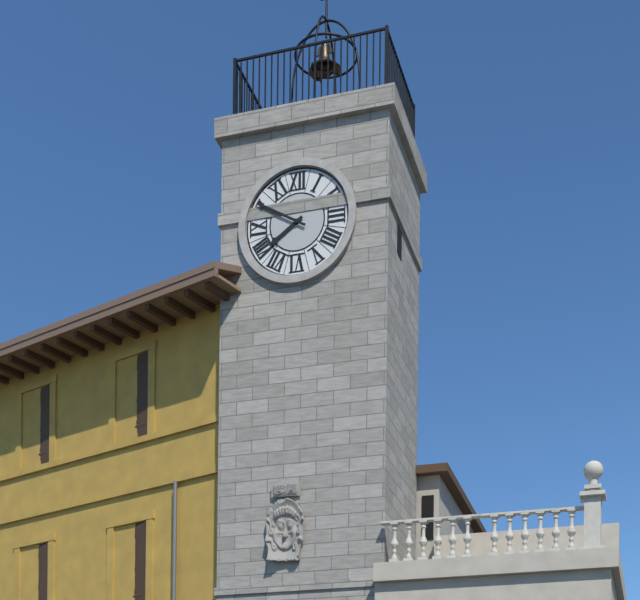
7:50
